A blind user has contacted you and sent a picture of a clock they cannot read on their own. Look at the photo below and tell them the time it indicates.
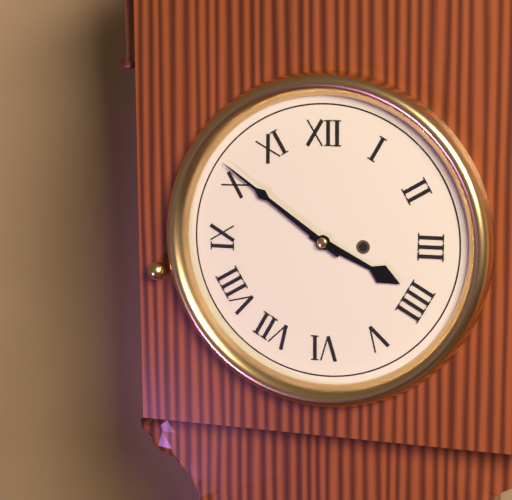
3:51
